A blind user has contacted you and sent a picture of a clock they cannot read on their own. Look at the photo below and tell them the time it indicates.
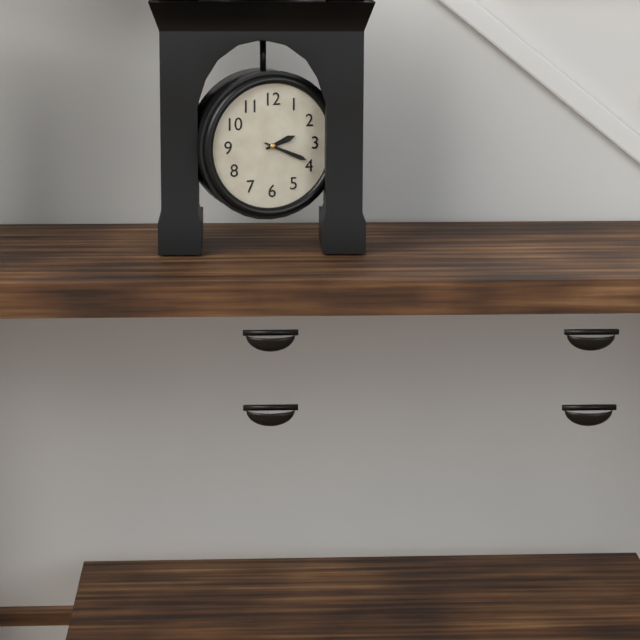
2:19
